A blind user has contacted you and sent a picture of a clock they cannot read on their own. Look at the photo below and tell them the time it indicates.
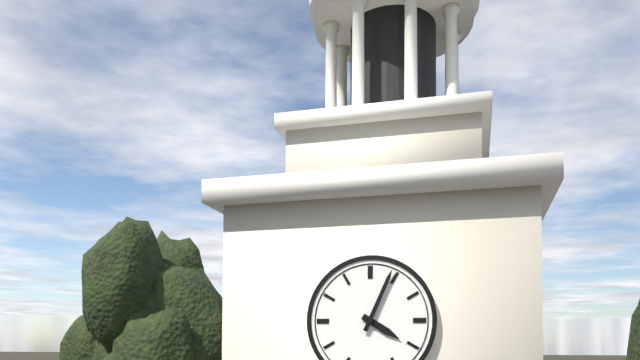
4:04
